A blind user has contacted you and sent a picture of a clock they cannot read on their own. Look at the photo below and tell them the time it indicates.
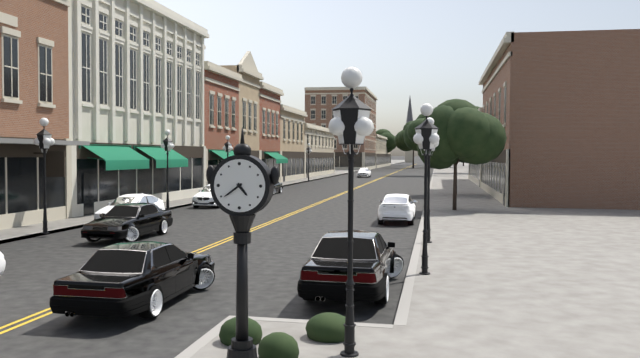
4:39
